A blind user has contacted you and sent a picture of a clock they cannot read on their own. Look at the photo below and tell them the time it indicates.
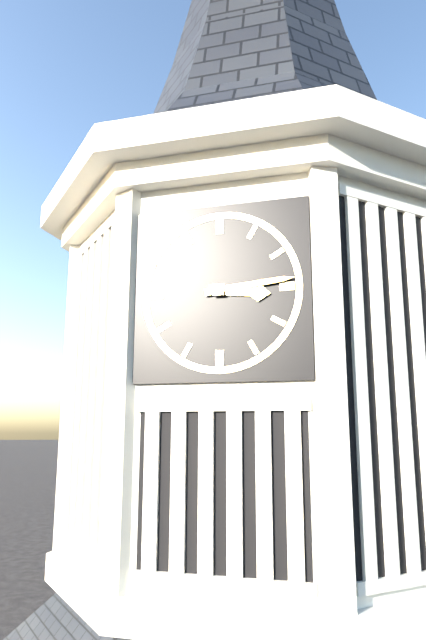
3:14
